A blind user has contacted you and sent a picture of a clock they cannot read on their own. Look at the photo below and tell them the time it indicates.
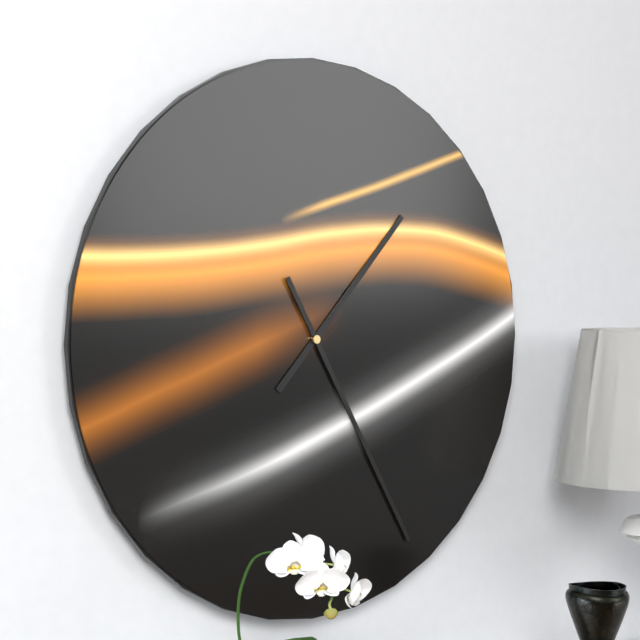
1:25
